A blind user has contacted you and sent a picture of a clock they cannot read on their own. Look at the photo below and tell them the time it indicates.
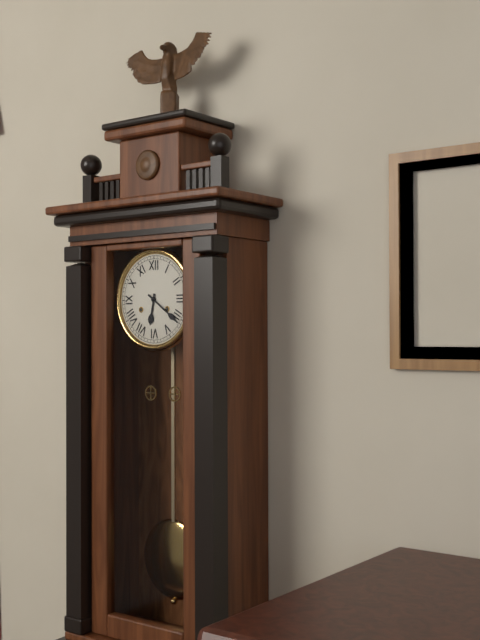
6:21
